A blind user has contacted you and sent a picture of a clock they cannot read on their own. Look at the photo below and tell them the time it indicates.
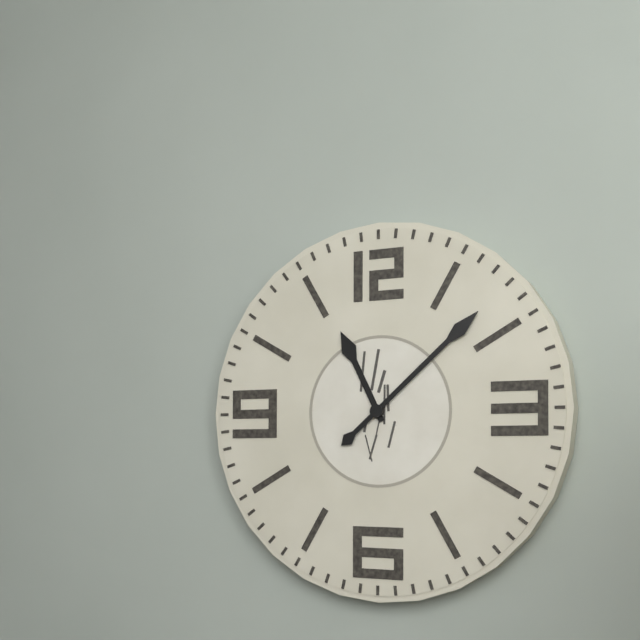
11:08
